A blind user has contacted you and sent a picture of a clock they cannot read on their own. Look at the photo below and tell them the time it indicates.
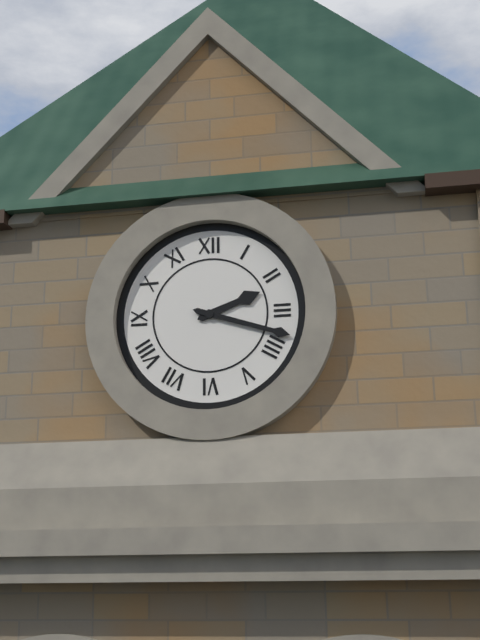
2:18
